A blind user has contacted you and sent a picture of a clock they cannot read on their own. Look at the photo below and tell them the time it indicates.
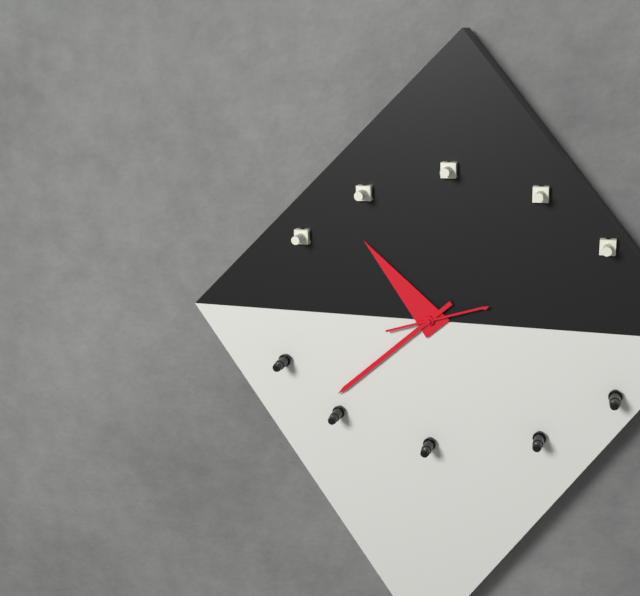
10:38:12
